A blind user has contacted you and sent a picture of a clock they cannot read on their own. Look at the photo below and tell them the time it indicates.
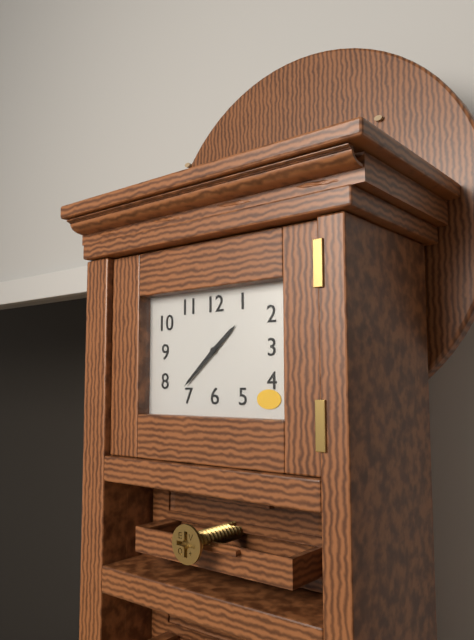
1:38
